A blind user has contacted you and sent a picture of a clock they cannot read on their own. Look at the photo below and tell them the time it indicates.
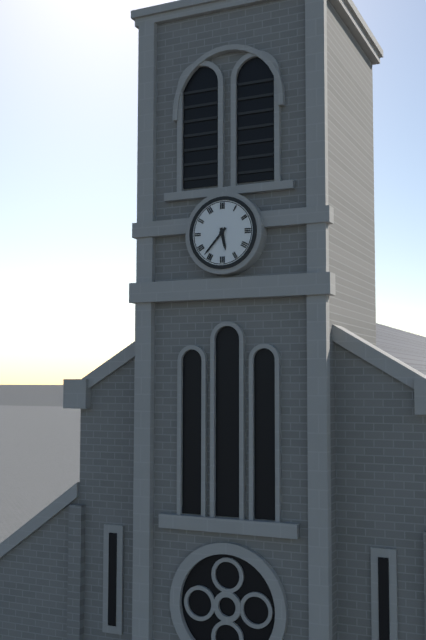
5:37
